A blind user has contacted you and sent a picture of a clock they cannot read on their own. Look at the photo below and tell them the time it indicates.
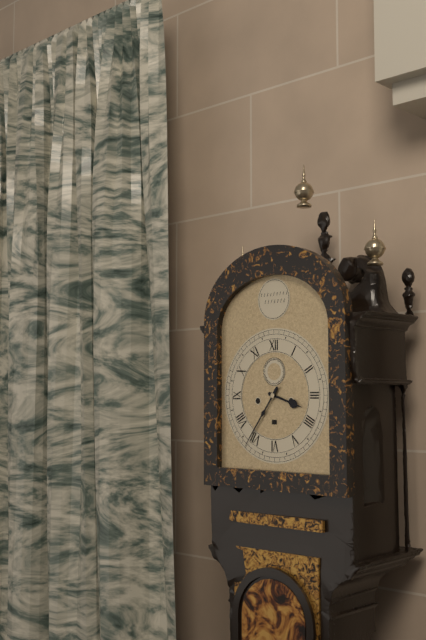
3:36
